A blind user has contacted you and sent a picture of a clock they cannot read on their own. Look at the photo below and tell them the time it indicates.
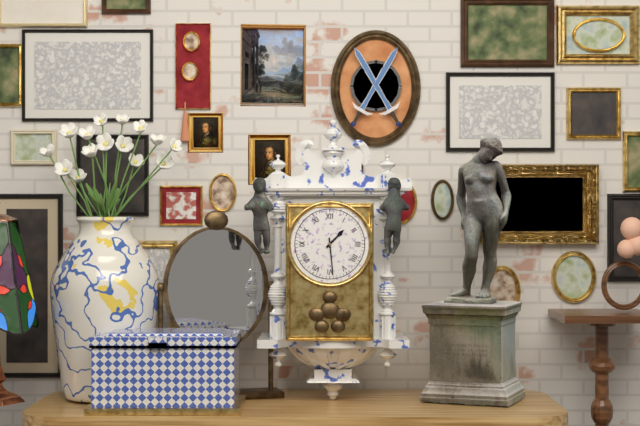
1:29
